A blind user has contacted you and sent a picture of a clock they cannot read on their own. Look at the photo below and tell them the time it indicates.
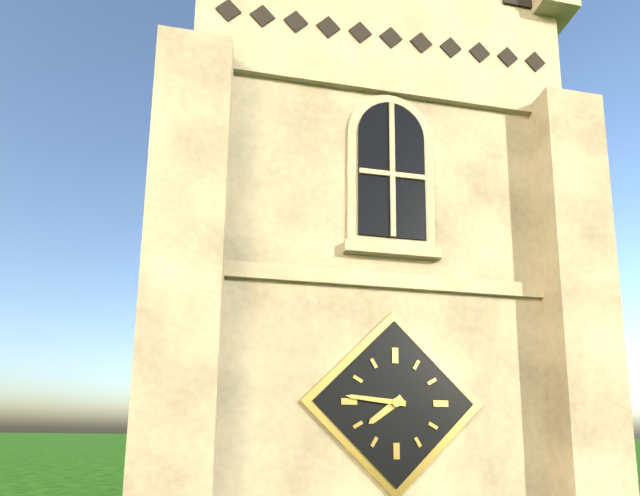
7:46
